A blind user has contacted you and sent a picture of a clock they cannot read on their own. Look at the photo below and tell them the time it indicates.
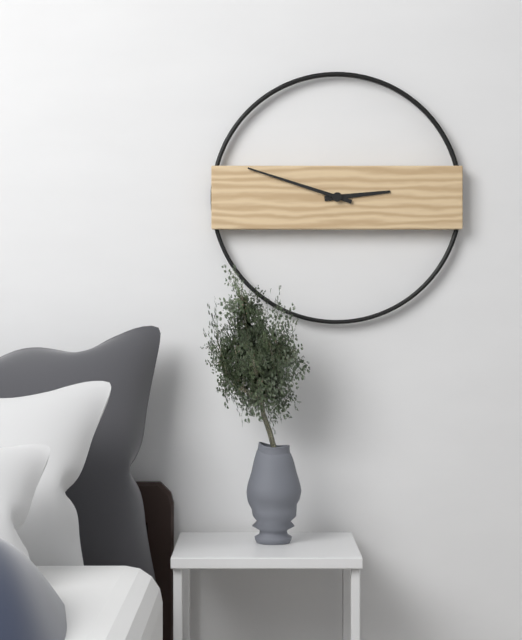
2:48
